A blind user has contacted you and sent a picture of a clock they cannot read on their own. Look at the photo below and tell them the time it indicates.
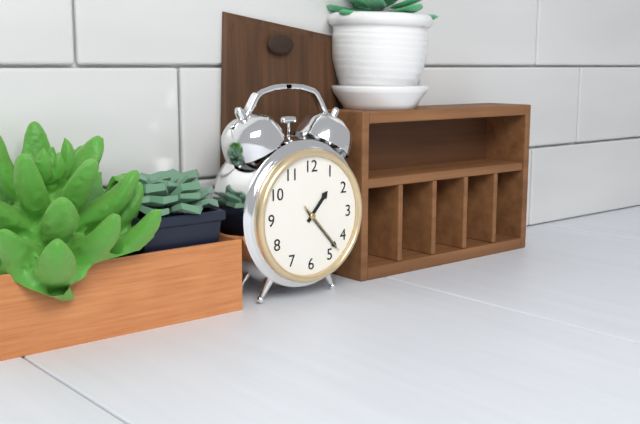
1:23:23
